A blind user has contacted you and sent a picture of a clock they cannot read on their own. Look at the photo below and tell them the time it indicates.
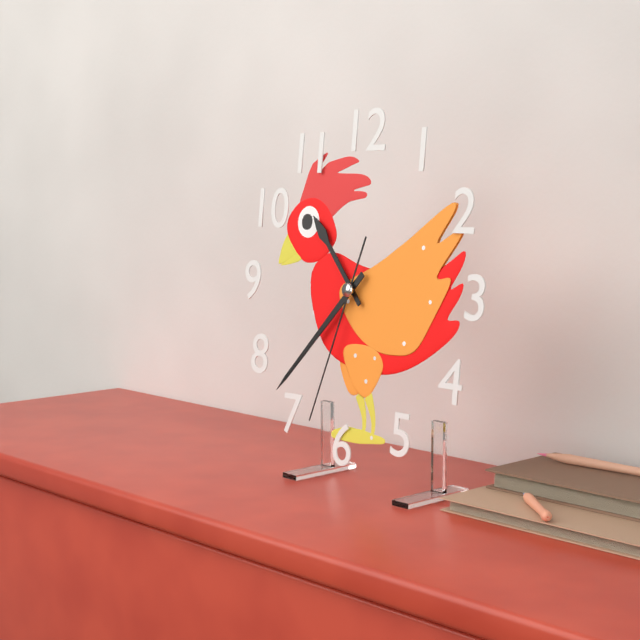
10:37:33
